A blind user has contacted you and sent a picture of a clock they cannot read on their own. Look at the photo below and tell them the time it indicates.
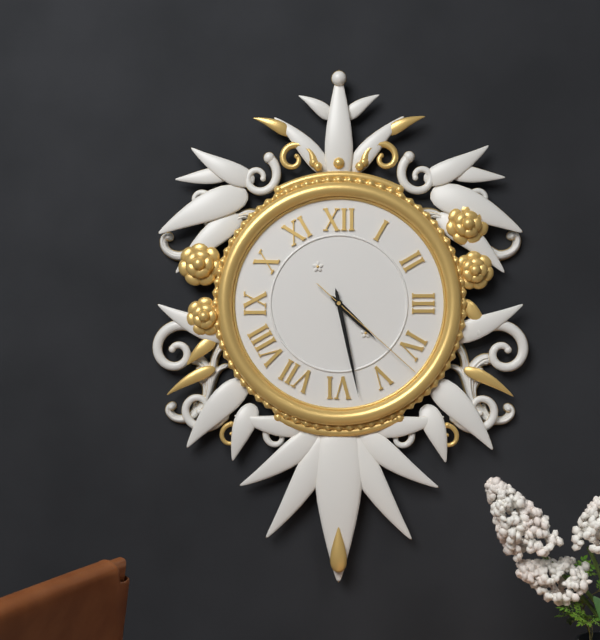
4:28:22
